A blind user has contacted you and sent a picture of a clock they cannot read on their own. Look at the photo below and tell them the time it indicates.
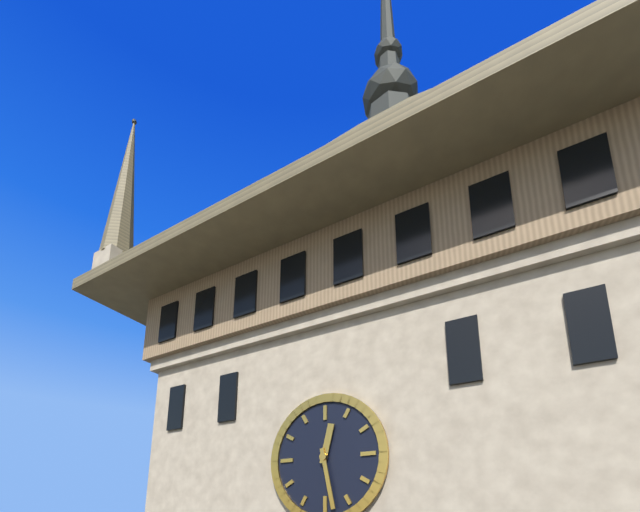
12:28
